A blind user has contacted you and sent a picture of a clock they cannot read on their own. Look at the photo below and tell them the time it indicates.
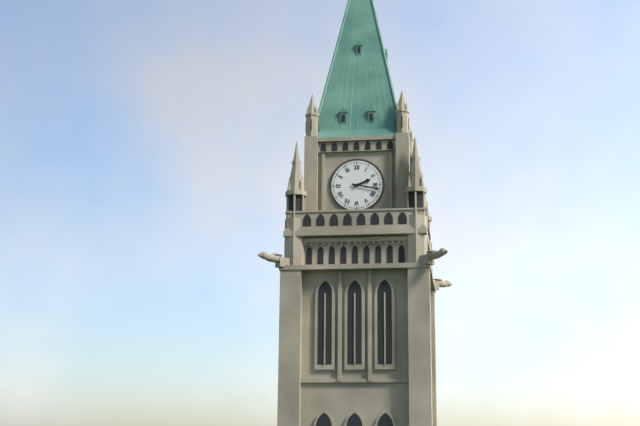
2:17
